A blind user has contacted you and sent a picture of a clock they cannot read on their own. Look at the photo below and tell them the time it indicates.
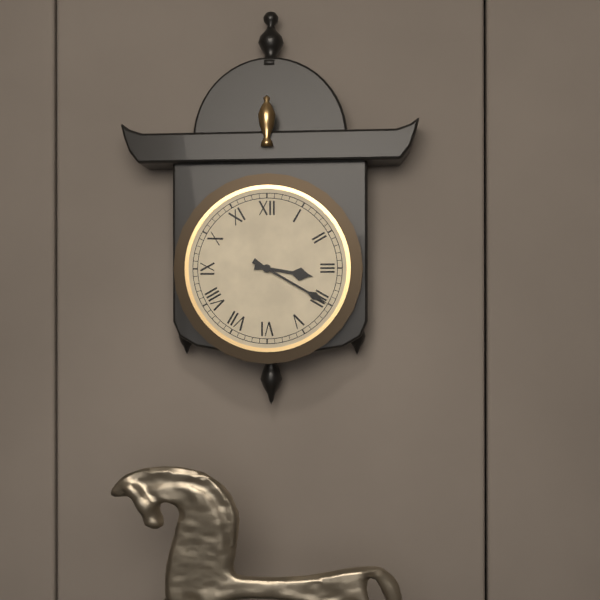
3:20
